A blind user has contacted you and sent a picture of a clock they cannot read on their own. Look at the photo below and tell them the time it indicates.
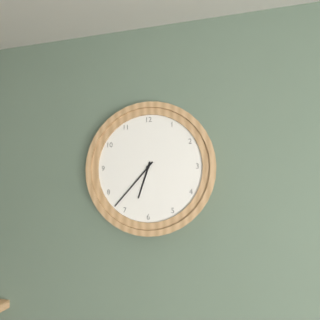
6:37
